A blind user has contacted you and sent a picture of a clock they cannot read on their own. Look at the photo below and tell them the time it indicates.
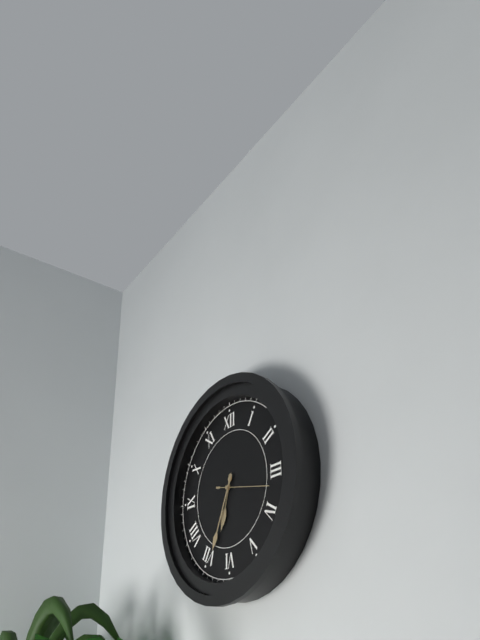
6:34:17
